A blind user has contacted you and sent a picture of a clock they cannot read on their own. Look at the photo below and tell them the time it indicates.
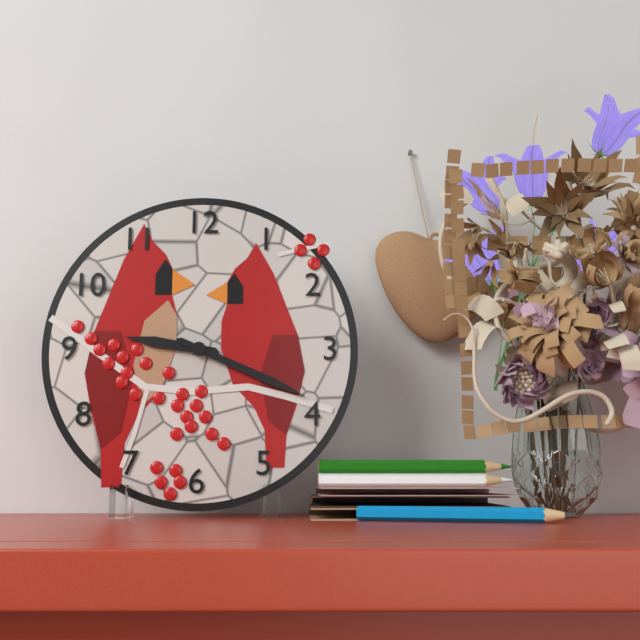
9:19
